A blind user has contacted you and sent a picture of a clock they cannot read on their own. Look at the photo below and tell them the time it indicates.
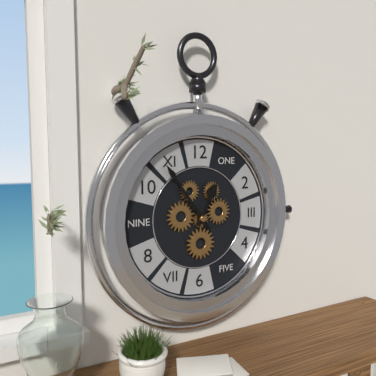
12:54
